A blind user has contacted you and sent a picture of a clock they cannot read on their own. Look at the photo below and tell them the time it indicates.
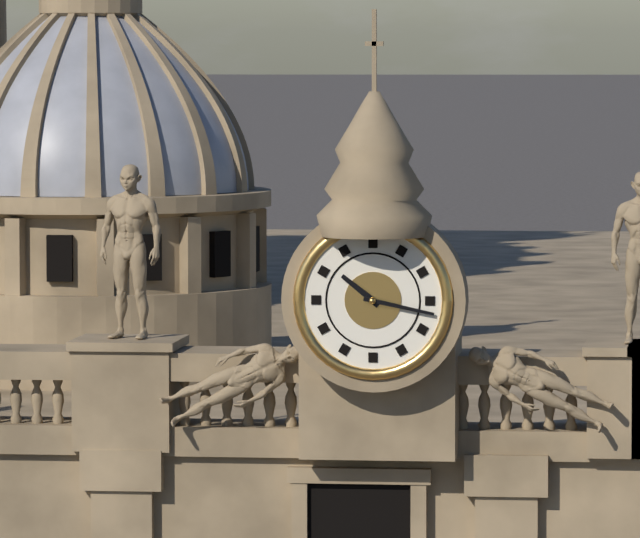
10:17
